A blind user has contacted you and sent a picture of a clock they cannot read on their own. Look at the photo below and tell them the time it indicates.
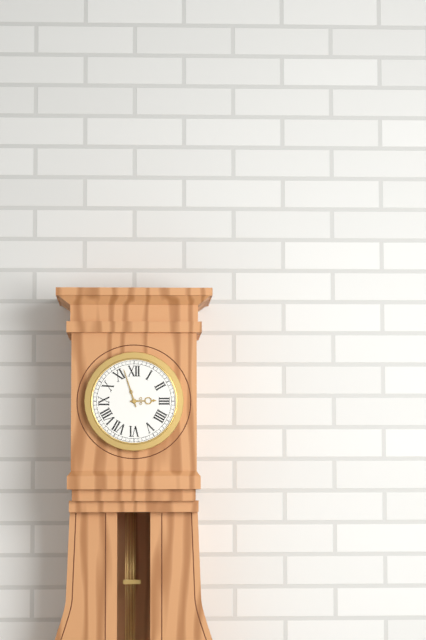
2:57
